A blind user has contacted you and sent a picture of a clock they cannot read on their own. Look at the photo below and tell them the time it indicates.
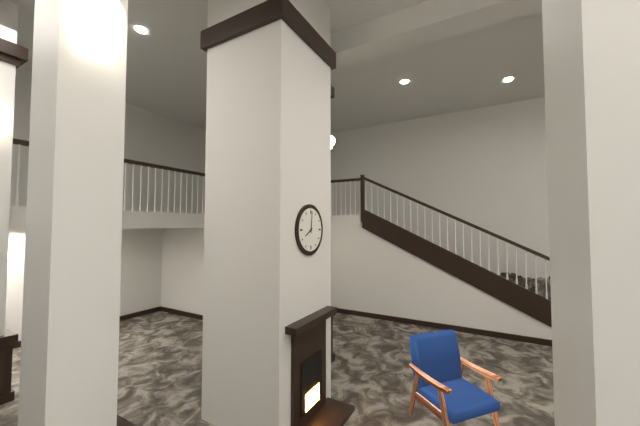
8:01
